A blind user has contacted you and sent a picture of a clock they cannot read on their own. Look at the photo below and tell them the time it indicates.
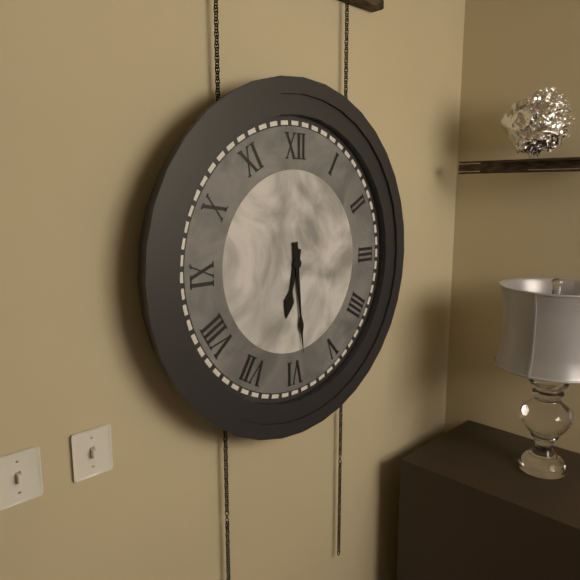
6:29
